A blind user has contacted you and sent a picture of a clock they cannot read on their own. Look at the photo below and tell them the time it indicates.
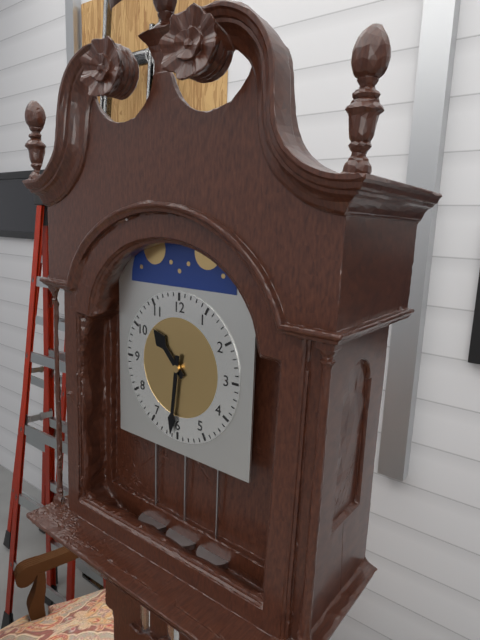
10:31
